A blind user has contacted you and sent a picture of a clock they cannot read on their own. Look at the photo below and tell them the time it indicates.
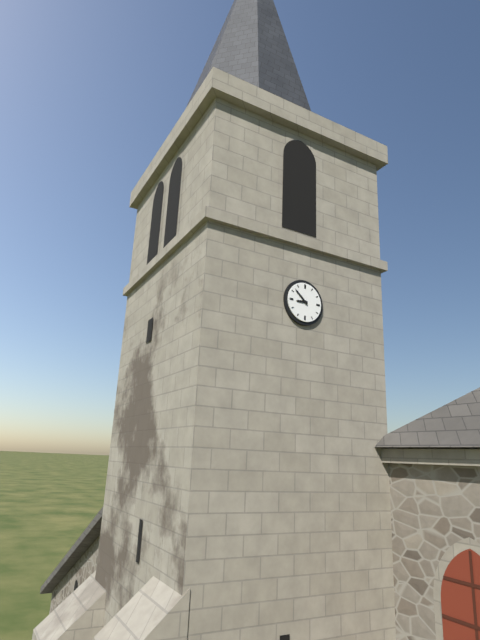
8:52
